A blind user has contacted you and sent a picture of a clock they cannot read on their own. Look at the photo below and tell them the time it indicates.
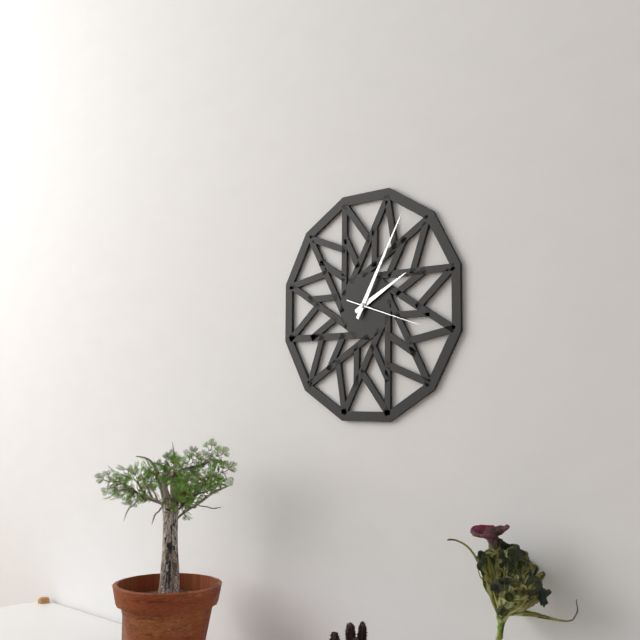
2:05:18
